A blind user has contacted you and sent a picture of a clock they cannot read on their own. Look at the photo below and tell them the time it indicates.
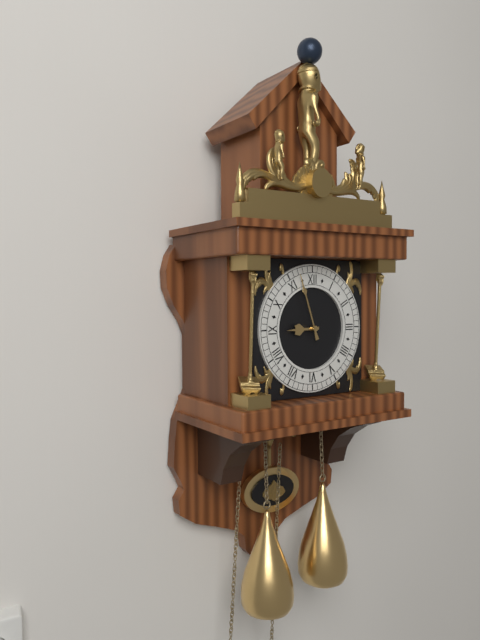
8:57
